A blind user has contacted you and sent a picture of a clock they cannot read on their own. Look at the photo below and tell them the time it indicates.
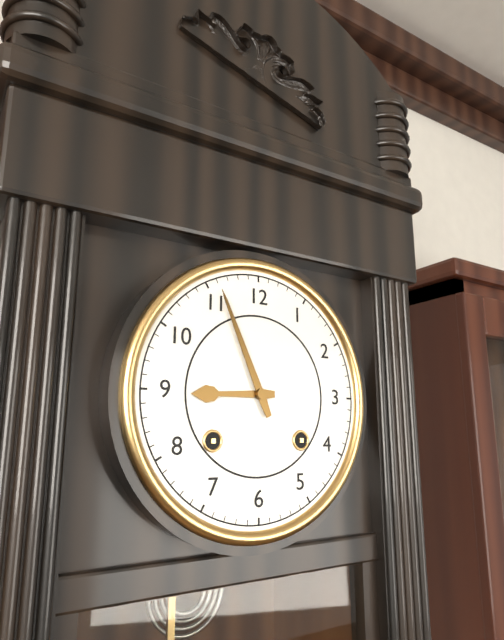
8:56
